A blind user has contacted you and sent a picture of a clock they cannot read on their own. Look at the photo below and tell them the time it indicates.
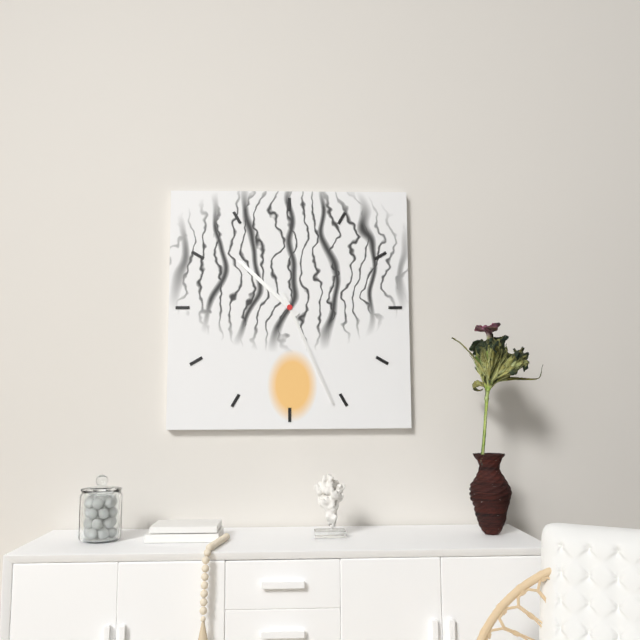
10:26
